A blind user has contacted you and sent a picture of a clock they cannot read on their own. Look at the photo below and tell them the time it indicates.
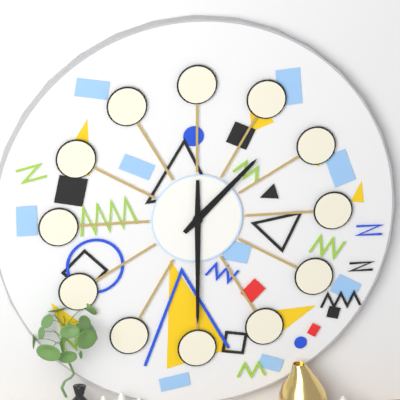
1:30
